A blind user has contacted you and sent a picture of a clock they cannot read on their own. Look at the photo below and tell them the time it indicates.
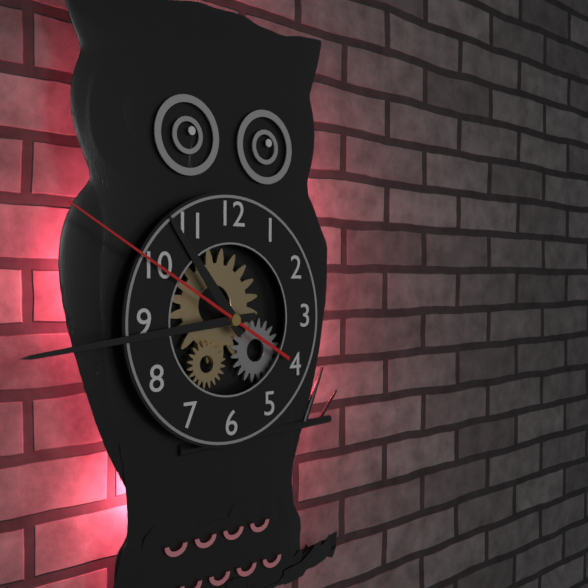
10:44:50
